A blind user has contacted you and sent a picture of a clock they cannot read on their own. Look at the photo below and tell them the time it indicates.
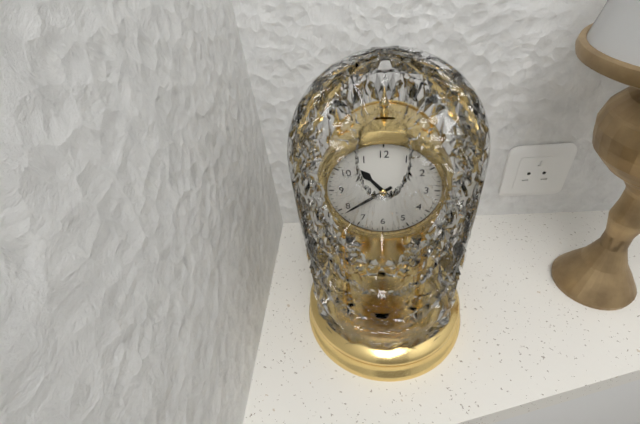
10:39
